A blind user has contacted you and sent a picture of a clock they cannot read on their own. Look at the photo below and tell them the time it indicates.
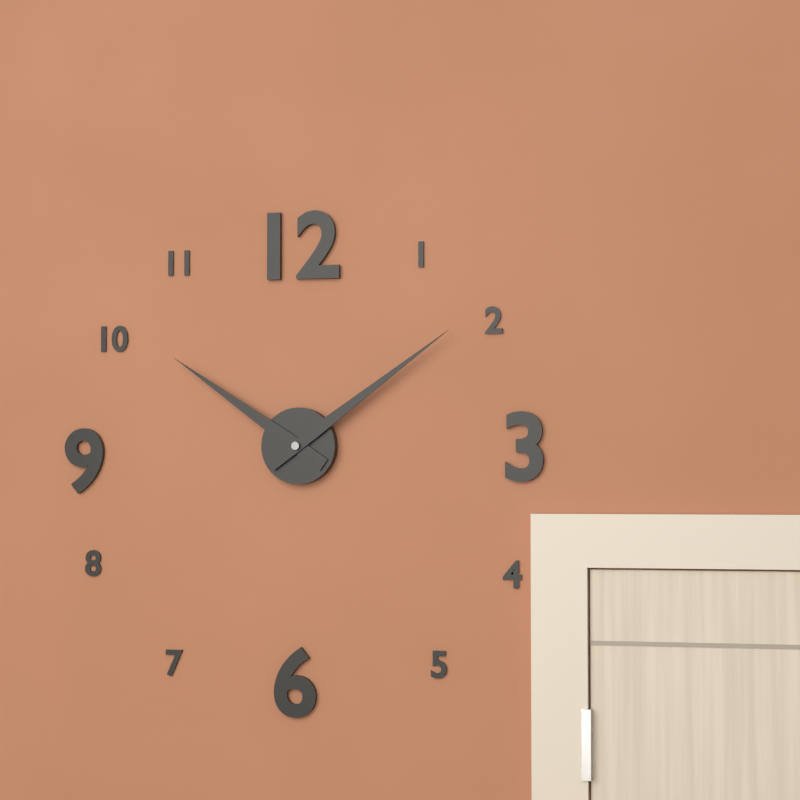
10:09
